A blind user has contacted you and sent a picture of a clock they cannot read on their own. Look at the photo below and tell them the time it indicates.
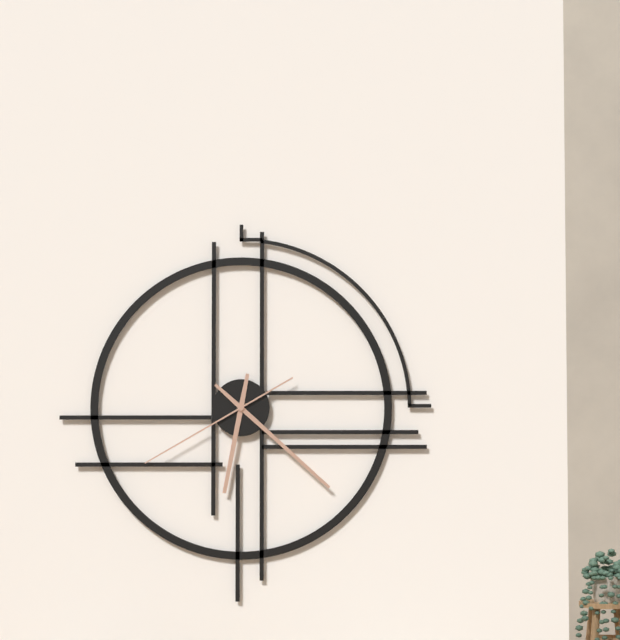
6:22:40
